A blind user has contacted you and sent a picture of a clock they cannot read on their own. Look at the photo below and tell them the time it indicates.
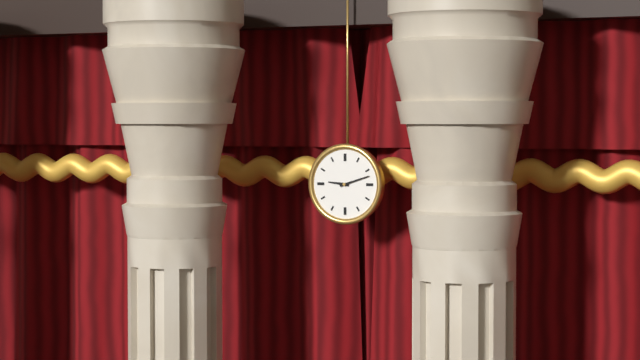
9:12
